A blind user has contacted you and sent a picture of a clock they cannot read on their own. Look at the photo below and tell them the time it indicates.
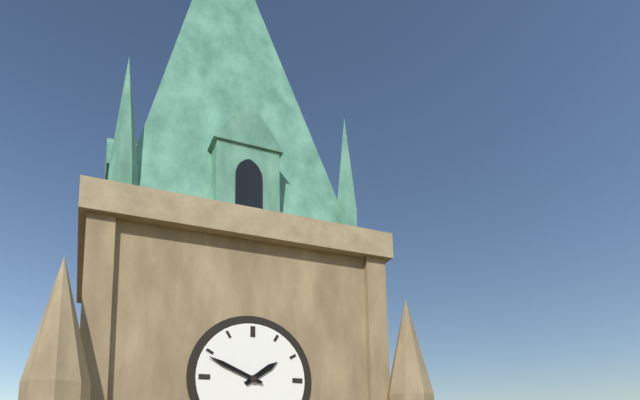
1:49
